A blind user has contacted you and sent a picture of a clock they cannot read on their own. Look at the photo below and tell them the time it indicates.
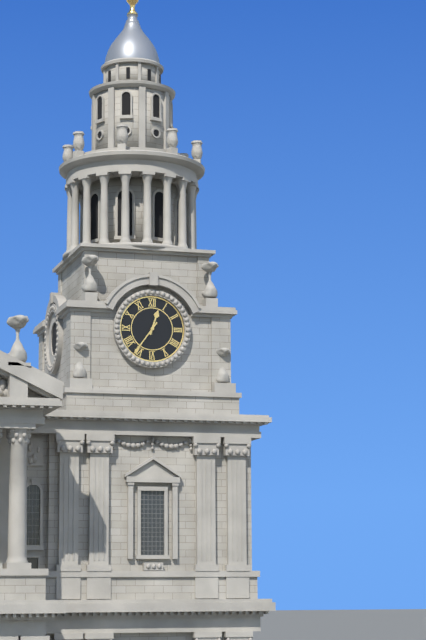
12:36
